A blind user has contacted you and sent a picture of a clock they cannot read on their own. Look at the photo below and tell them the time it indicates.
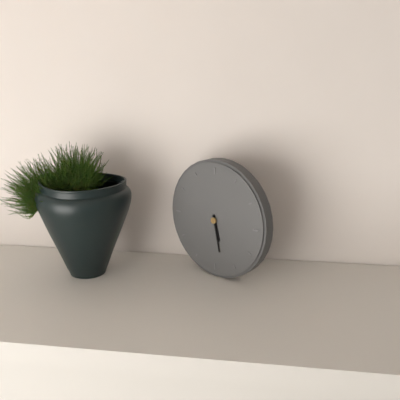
5:28
